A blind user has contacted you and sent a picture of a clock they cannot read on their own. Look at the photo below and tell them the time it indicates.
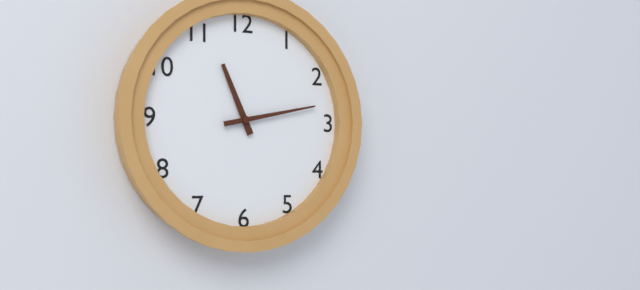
11:13
